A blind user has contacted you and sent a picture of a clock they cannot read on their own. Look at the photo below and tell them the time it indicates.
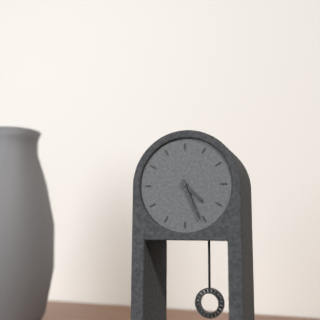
4:26
